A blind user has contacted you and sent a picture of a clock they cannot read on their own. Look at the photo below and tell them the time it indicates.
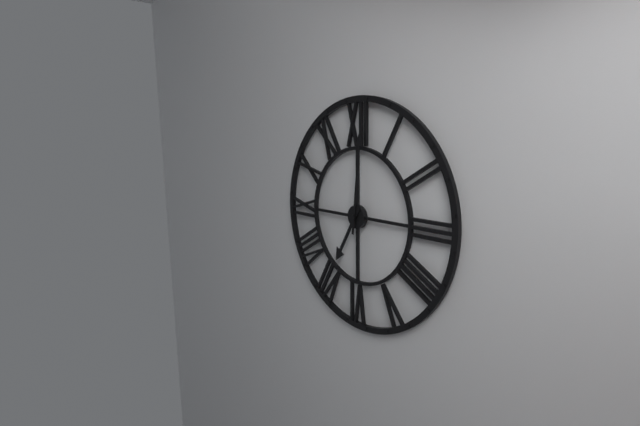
7:01
